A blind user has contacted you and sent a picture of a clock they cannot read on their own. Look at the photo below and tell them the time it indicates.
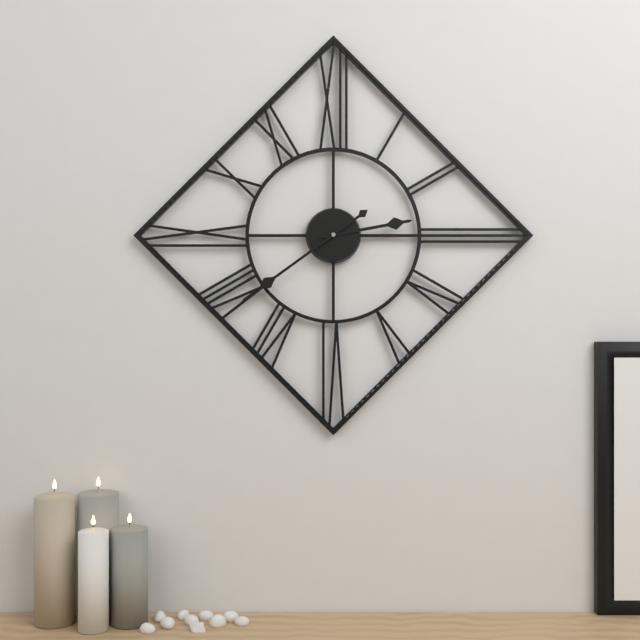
2:39
